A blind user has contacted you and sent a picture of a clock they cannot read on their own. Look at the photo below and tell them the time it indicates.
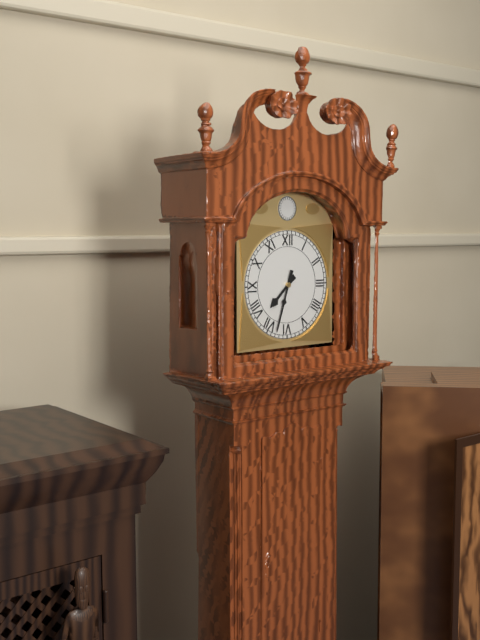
7:33
